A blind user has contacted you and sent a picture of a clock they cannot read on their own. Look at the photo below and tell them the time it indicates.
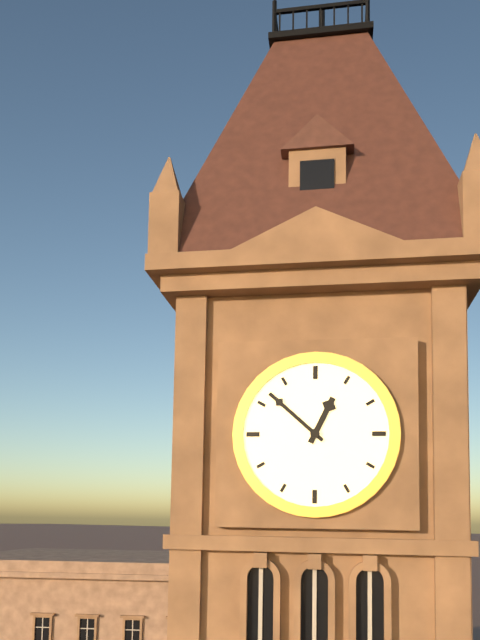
12:52
